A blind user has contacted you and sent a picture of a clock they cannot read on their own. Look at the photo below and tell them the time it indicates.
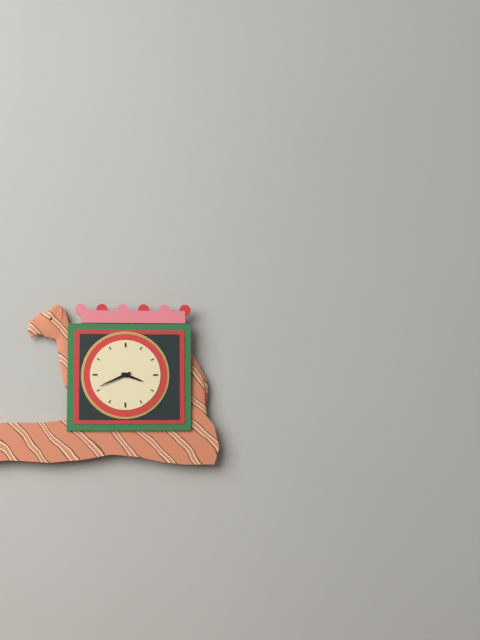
3:41
